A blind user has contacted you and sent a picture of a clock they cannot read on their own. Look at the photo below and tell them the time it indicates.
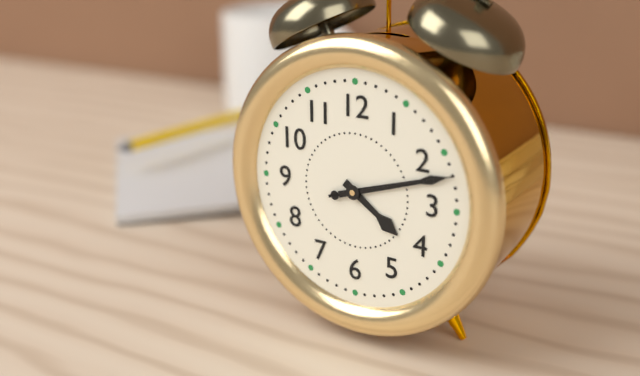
4:12:12
